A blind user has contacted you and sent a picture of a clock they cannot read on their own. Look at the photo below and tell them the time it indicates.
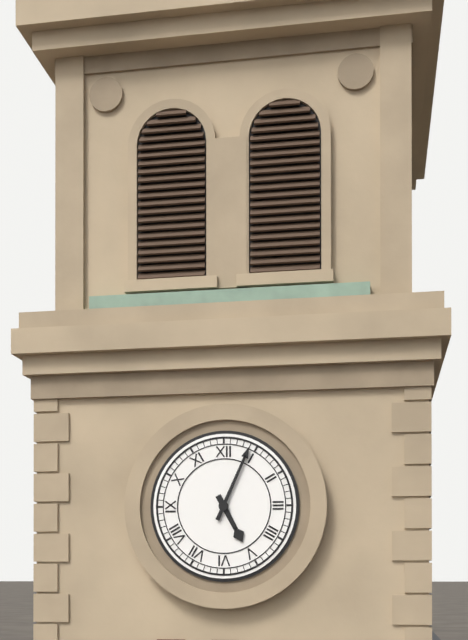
5:04
